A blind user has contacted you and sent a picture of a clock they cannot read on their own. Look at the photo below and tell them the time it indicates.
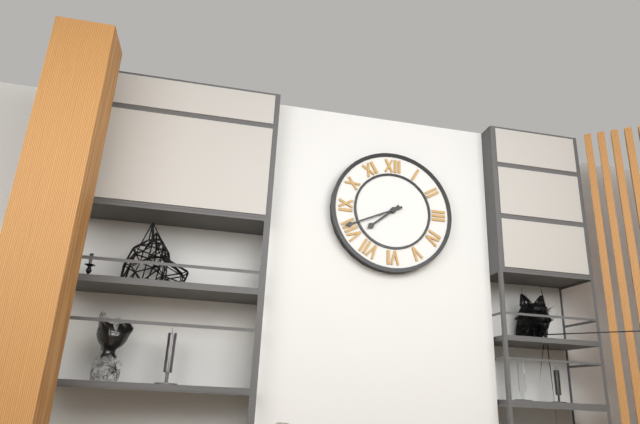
7:41
